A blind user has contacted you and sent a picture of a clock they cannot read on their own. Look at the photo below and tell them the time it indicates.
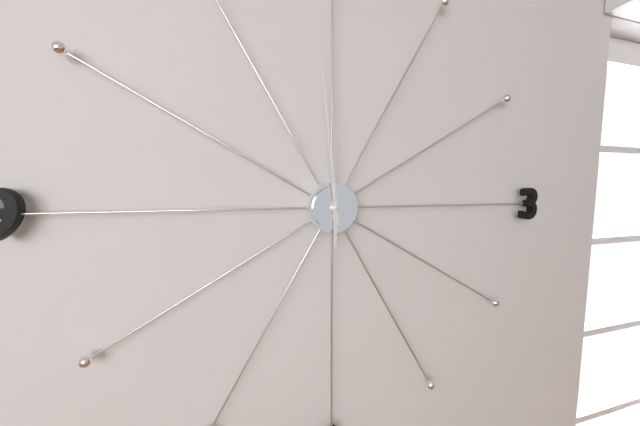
5:59
